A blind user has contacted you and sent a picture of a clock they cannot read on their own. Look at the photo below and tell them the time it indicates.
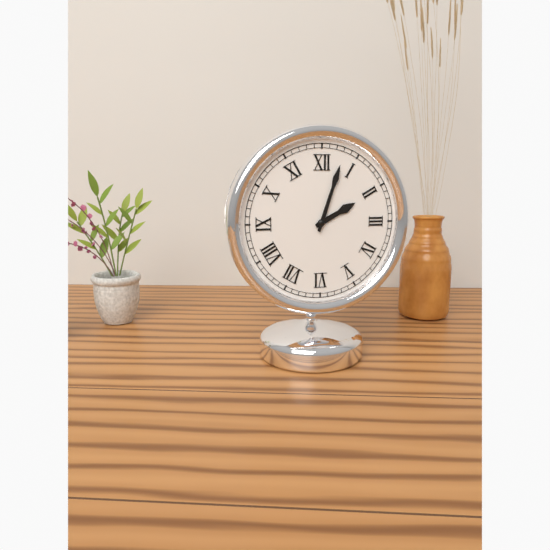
2:03
